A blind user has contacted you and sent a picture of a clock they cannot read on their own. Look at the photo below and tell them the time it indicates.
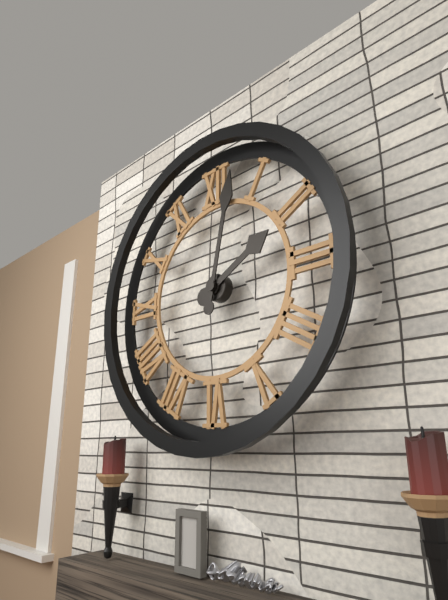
2:02
